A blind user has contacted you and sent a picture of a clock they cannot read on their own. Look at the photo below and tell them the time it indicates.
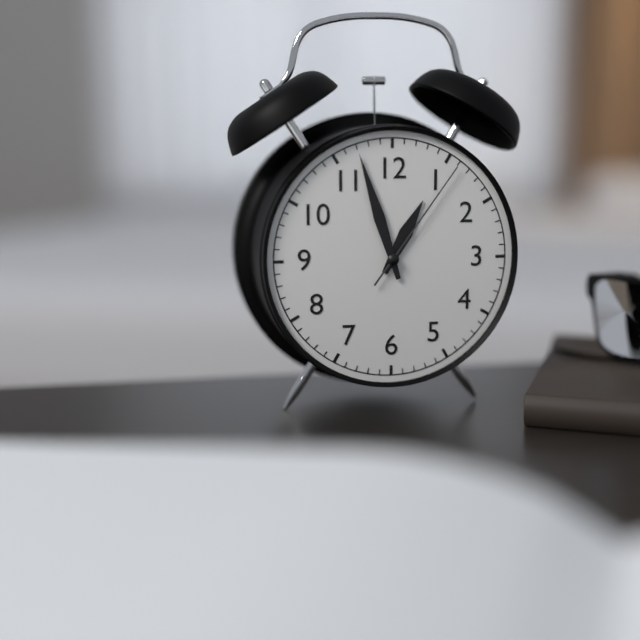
12:57:06
